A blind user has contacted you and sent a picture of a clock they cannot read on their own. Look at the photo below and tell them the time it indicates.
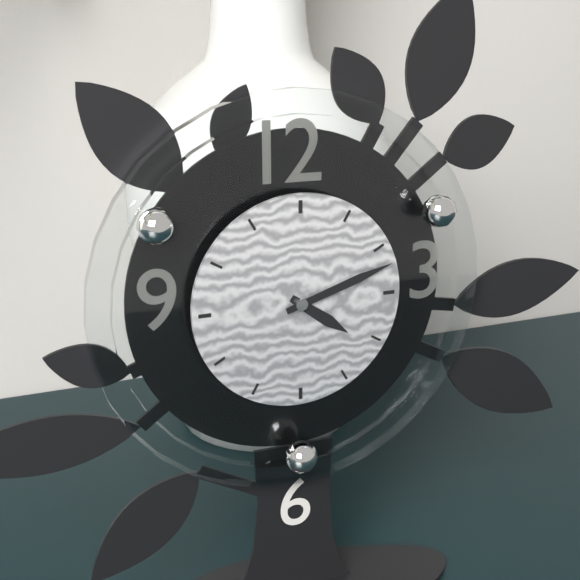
4:12
